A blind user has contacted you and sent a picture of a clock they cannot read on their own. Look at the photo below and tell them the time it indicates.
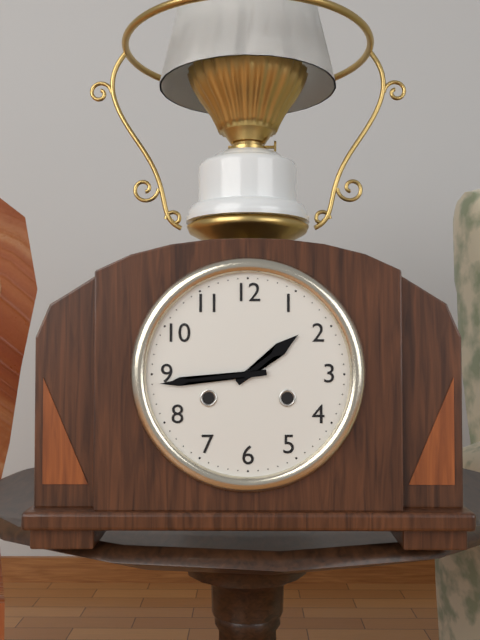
1:44
